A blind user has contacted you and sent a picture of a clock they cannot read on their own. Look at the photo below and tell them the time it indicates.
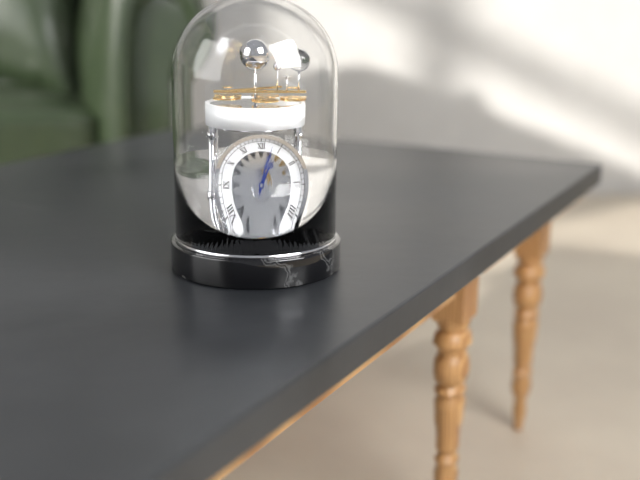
1:03
